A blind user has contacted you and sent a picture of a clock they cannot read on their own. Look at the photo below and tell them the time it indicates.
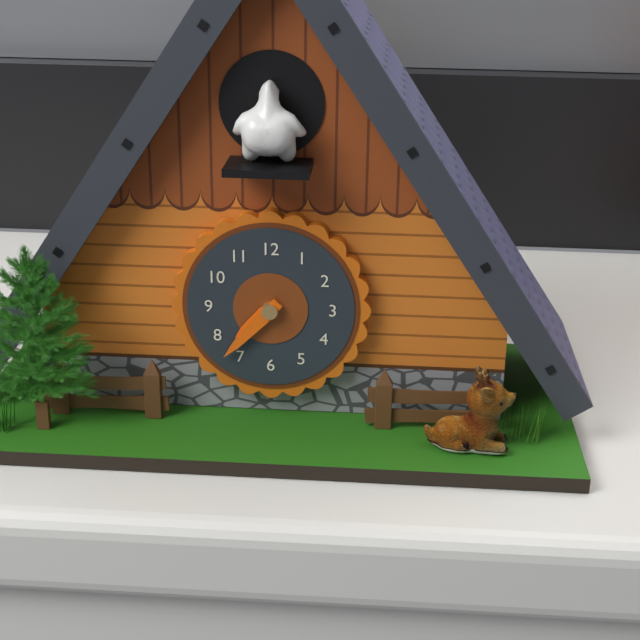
7:37
